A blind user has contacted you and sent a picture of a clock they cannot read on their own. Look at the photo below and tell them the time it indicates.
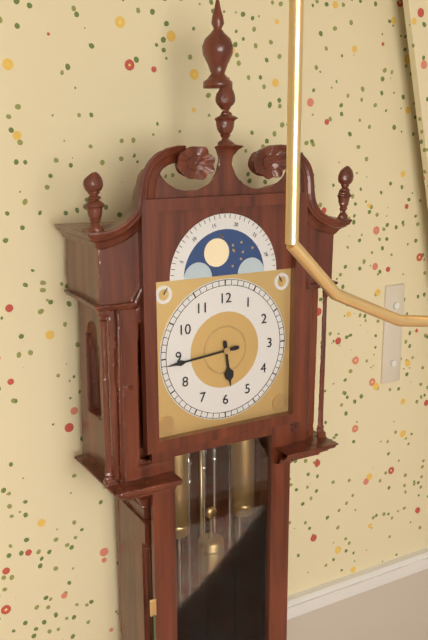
5:44
